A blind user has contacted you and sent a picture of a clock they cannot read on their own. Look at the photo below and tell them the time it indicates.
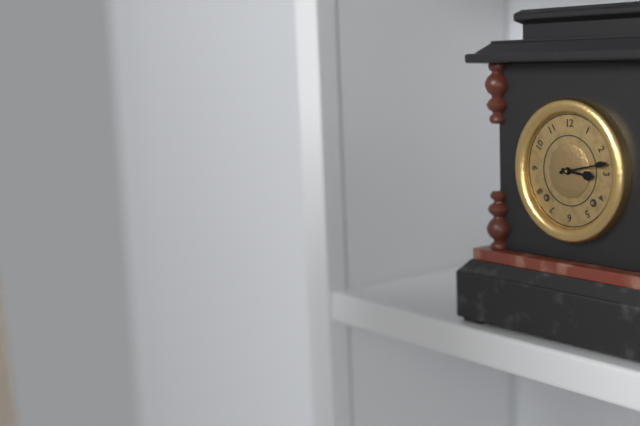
3:13
